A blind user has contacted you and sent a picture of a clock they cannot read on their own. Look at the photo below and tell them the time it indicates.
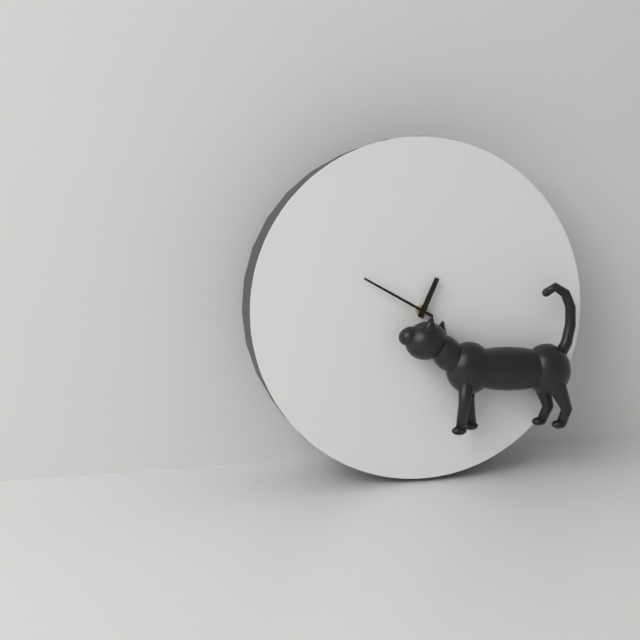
12:50
